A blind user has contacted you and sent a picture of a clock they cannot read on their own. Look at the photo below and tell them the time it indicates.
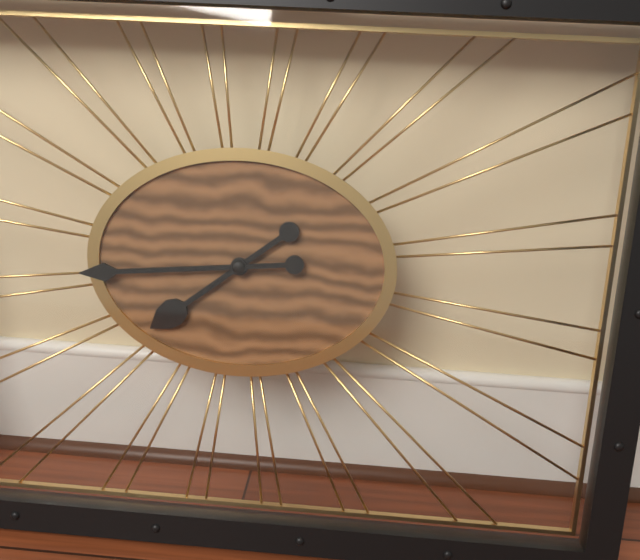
7:44
